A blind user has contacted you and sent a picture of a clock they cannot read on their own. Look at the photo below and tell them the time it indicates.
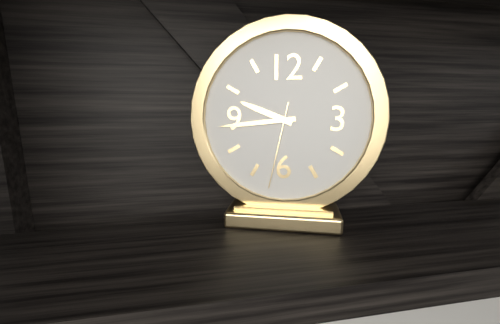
9:44:32
